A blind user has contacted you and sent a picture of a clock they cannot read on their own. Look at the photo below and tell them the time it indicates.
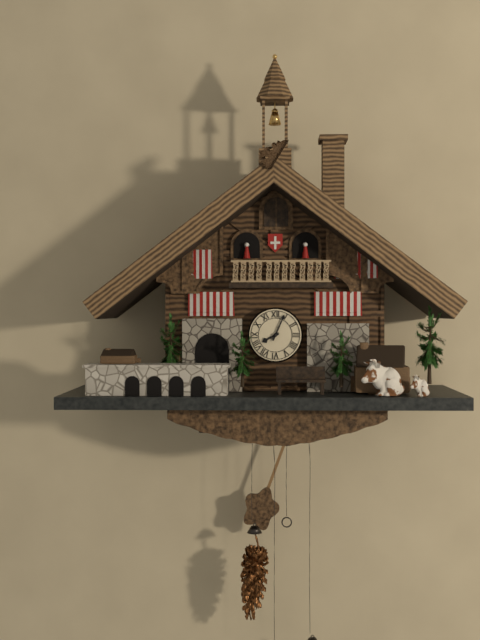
8:04
